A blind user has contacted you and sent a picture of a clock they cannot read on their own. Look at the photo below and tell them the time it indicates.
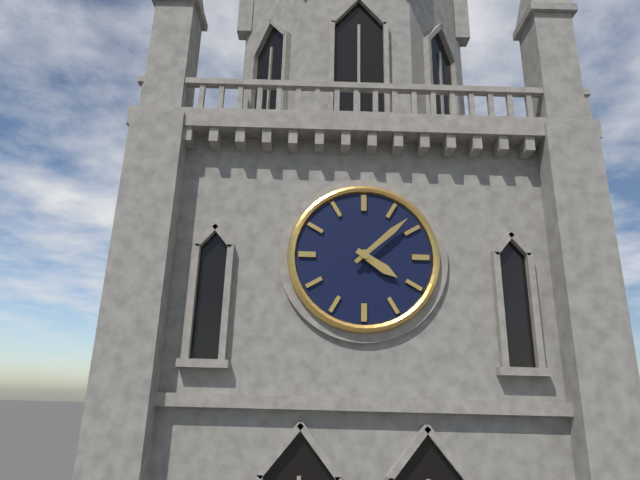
4:08
